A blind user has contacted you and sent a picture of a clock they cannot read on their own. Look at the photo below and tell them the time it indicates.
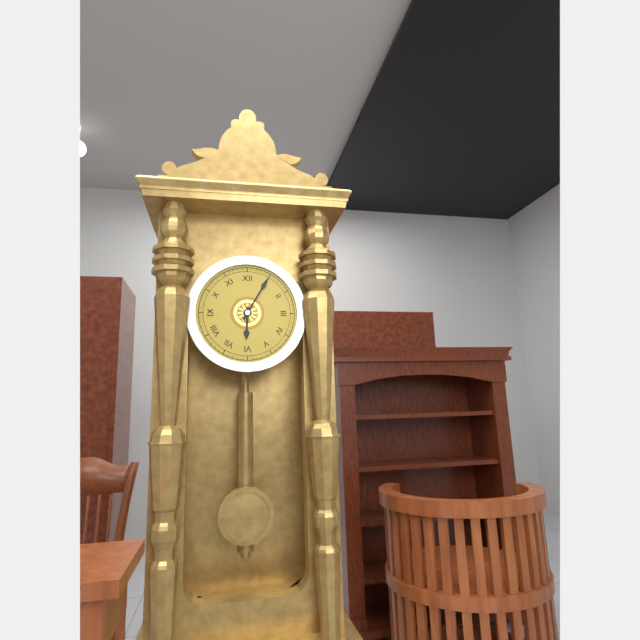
6:05
